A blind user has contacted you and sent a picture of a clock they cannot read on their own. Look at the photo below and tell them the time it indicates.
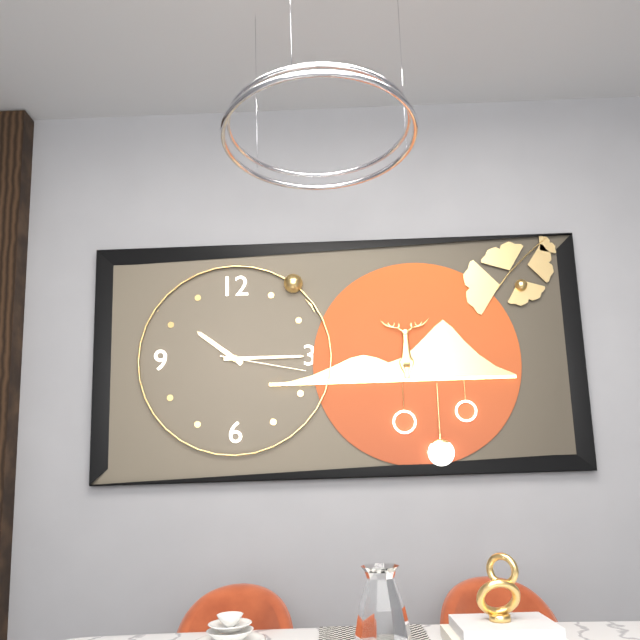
10:15:17
